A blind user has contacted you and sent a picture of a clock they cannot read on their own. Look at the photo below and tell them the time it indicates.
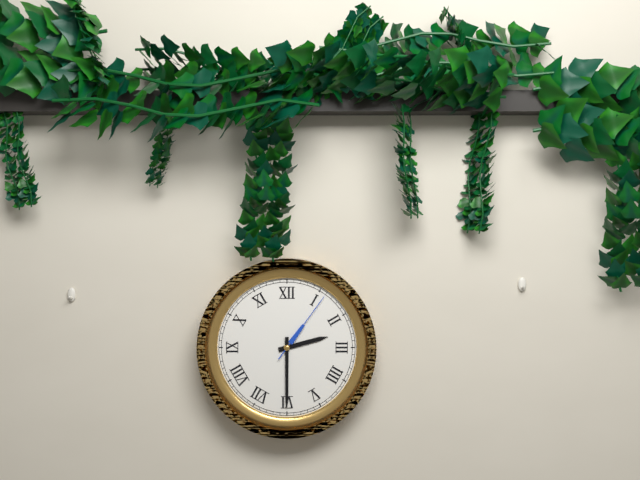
2:30:06
